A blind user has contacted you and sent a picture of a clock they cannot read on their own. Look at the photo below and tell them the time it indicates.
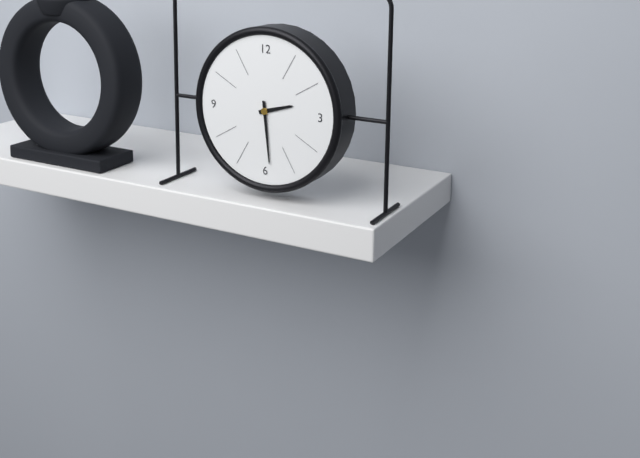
2:29
